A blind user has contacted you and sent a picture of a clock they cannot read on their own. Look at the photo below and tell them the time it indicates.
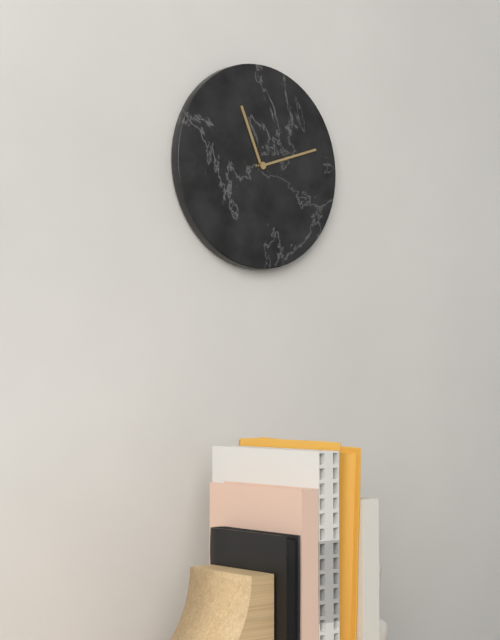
11:12
